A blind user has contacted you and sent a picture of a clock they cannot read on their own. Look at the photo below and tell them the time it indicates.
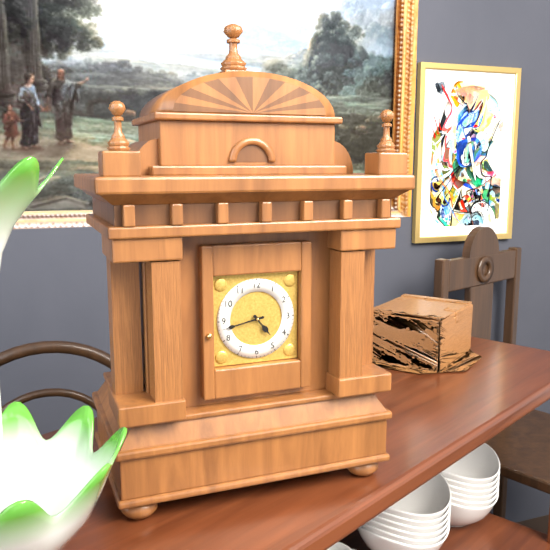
4:43
